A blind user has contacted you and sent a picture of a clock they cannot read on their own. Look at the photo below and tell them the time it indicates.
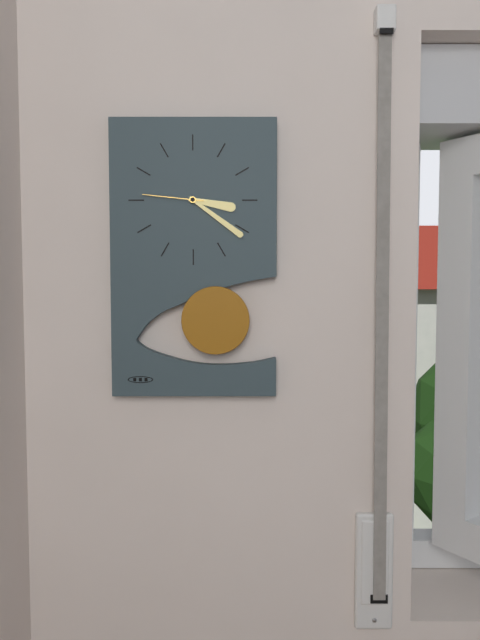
3:21:46
